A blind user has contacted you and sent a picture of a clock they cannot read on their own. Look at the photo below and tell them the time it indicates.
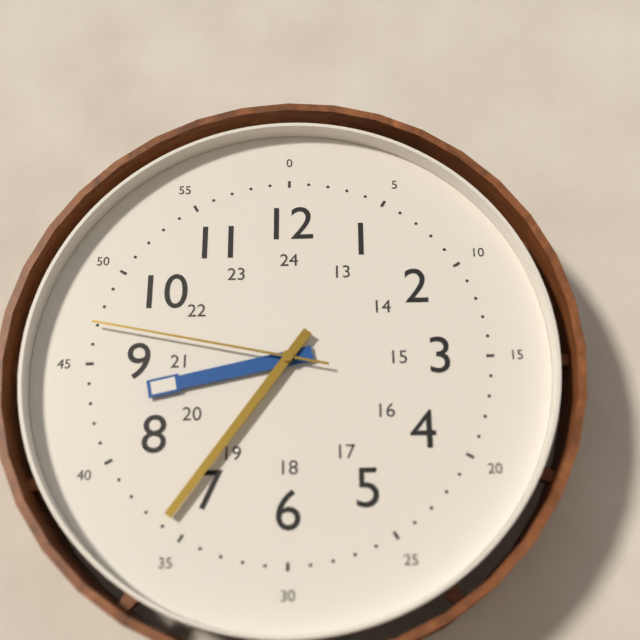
8:36:47
